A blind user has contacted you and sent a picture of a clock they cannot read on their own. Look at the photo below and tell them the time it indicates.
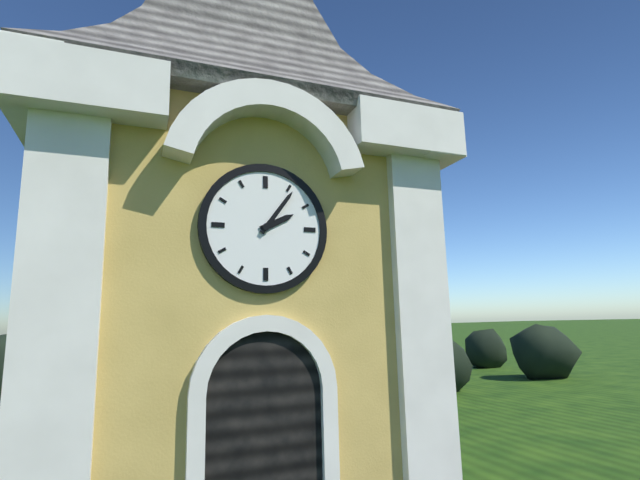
2:06
